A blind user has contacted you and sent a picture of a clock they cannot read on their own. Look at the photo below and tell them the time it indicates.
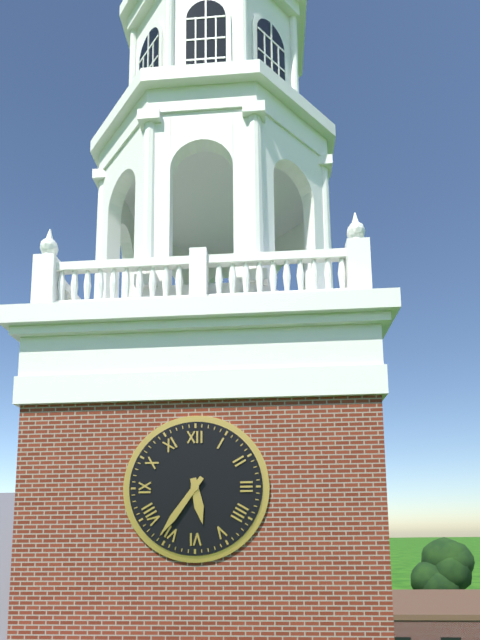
5:36
